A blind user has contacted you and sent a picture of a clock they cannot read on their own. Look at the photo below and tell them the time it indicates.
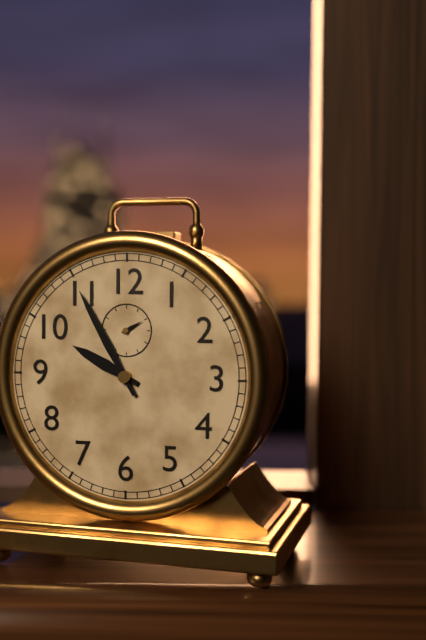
9:55
